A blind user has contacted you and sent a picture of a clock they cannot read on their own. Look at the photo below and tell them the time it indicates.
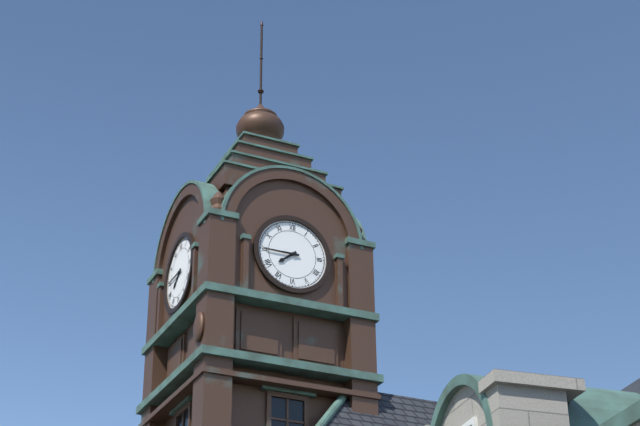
7:45
